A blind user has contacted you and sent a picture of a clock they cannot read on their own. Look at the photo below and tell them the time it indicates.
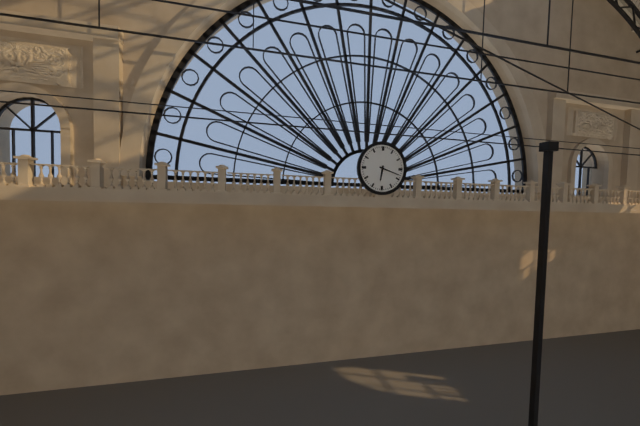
6:18
